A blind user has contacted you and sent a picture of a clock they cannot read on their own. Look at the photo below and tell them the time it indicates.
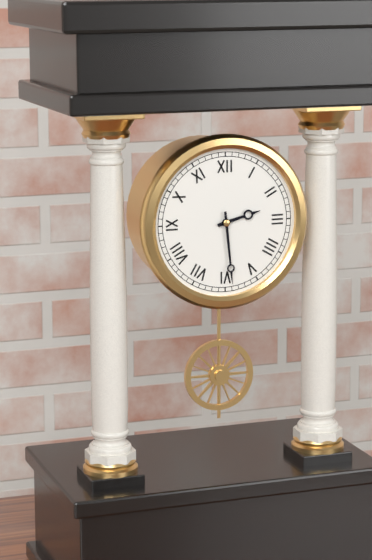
2:29
